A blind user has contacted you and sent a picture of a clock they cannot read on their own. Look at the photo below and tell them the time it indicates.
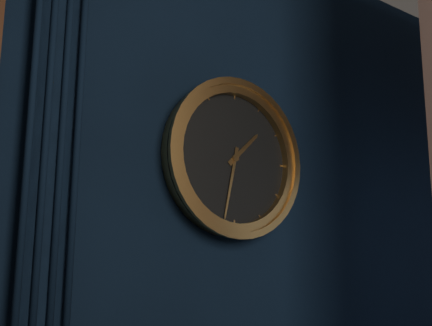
1:32
